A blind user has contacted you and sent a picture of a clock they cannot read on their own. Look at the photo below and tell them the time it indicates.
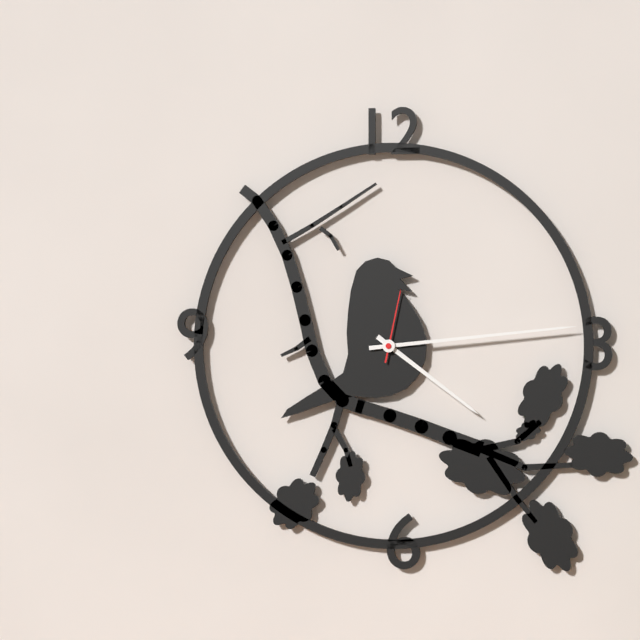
4:14:02
